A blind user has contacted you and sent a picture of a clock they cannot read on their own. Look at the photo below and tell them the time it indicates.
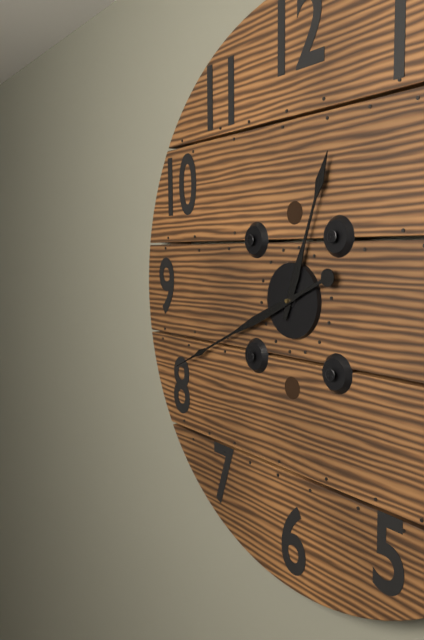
12:41
